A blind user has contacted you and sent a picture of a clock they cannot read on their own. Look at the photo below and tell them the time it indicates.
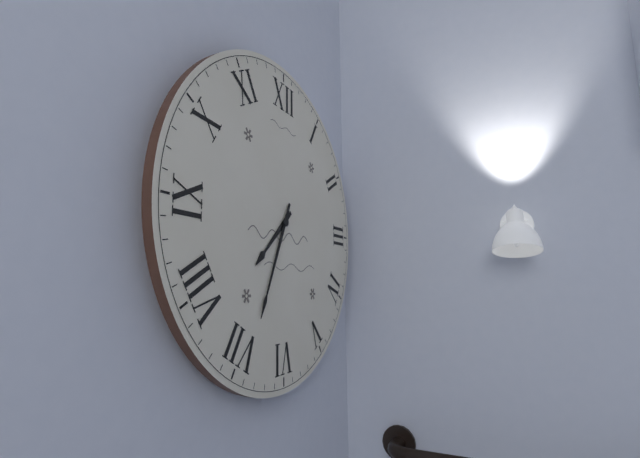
7:34
